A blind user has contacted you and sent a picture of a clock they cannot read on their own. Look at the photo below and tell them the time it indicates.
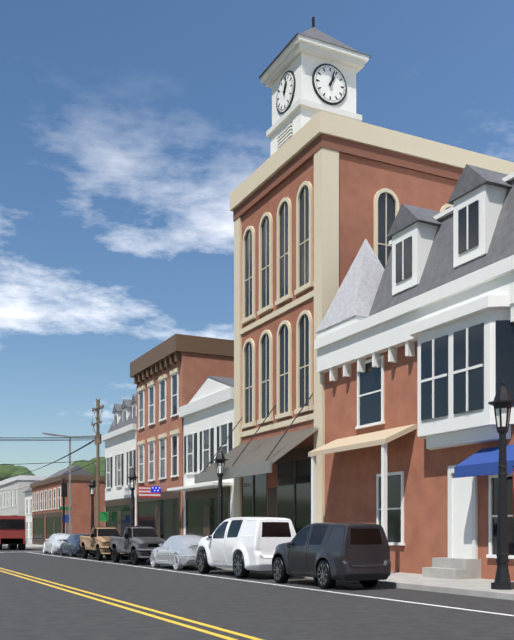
1:03
